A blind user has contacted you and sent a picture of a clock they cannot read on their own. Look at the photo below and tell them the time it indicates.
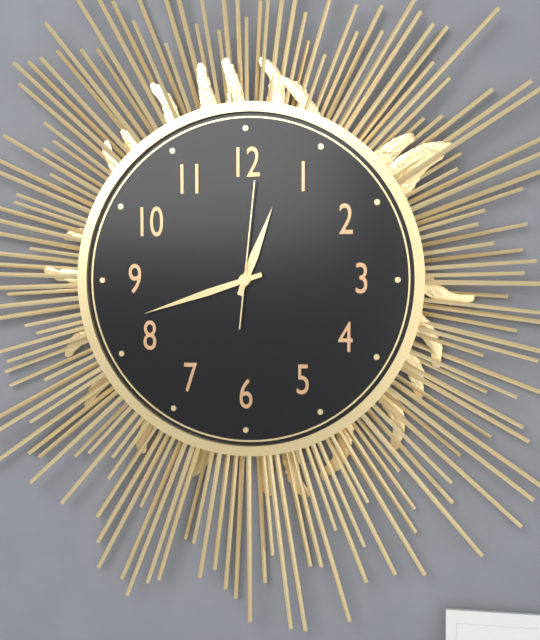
12:42:01
